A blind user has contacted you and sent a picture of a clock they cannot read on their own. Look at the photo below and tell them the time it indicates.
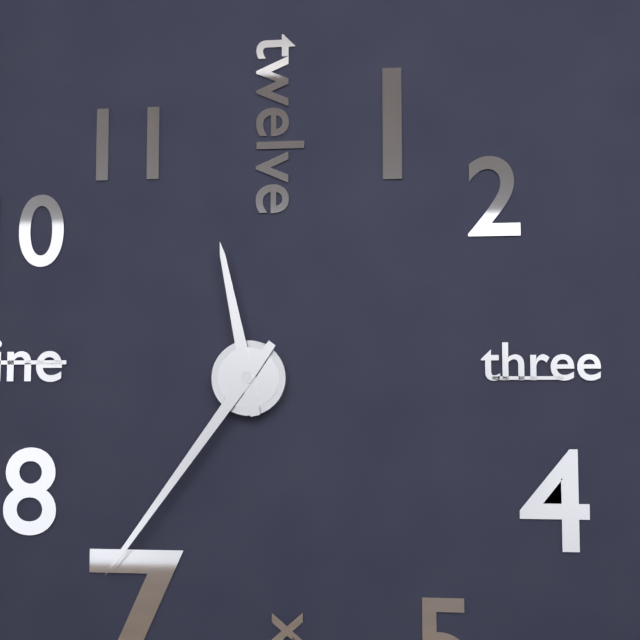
11:36
